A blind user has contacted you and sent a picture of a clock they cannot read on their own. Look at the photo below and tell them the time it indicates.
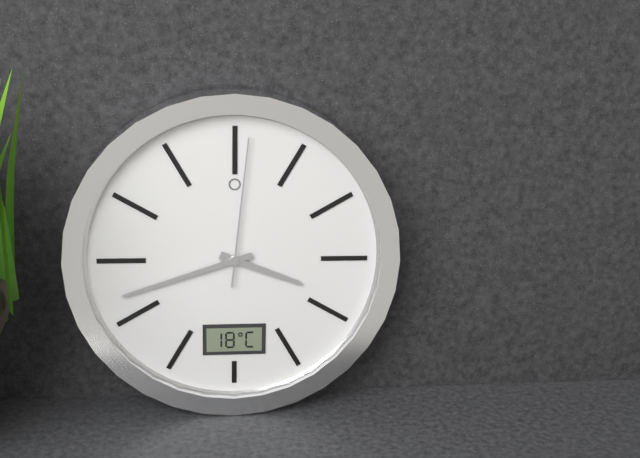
3:42:01
